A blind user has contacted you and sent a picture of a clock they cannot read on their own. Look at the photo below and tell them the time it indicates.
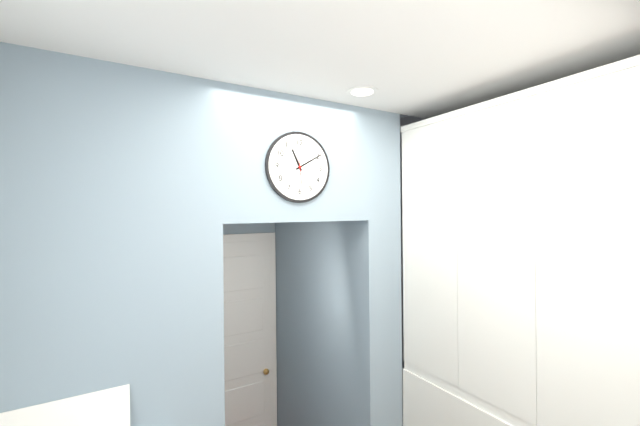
11:10
